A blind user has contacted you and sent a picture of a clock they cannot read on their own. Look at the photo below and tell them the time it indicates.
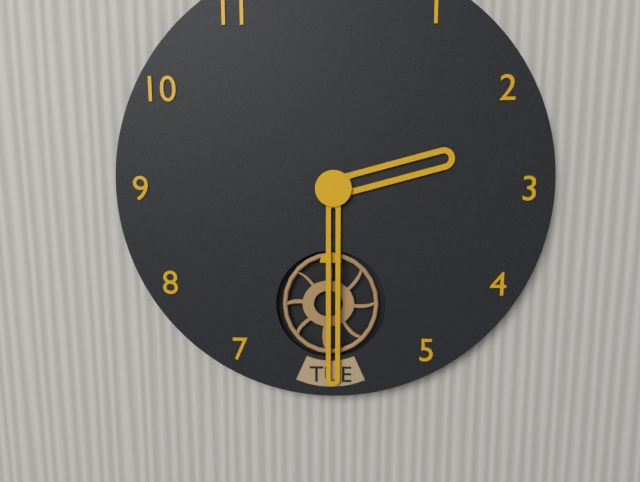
2:30
